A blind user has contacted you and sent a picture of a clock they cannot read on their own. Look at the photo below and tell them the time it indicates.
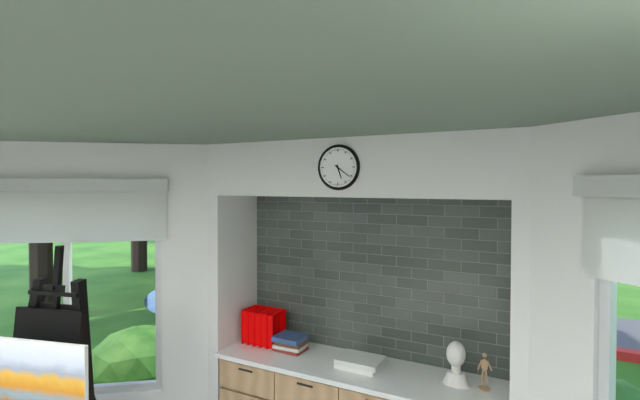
5:21
